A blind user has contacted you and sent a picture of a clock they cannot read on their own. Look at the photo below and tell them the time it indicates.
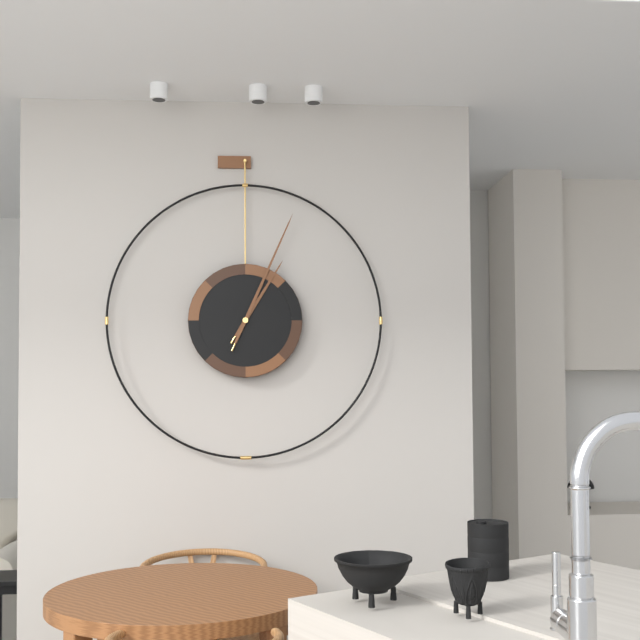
1:04
